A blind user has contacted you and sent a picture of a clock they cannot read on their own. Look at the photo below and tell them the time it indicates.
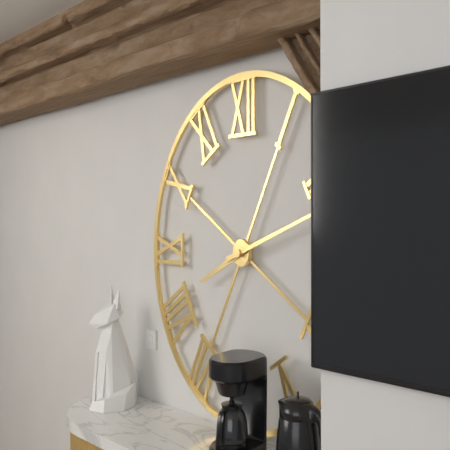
8:12
